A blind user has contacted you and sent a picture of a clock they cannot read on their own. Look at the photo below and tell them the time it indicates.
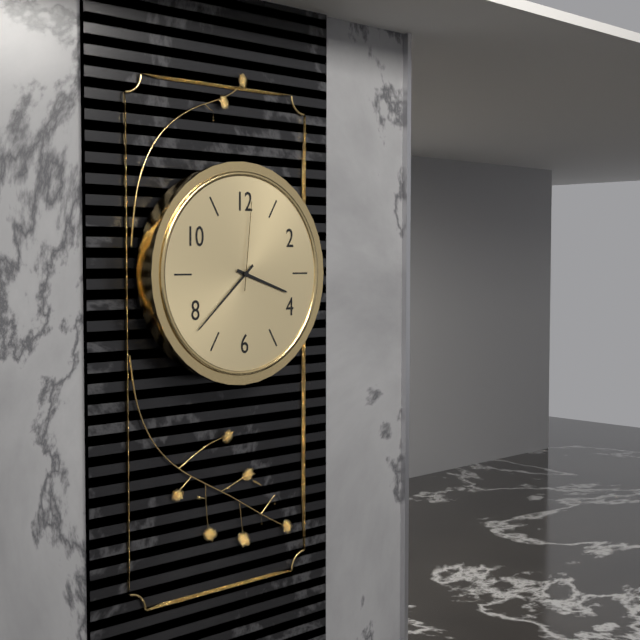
3:38:01
